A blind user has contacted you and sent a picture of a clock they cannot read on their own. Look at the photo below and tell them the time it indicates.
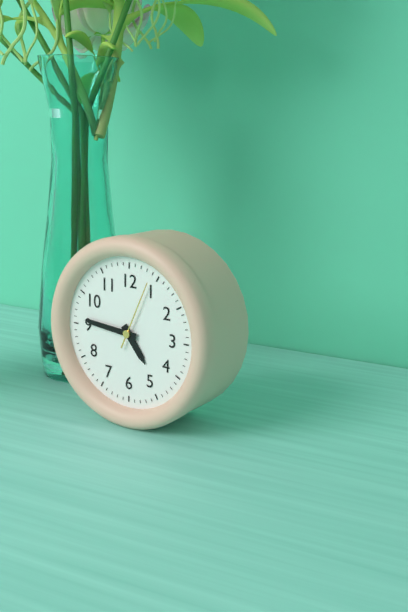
4:46:04
